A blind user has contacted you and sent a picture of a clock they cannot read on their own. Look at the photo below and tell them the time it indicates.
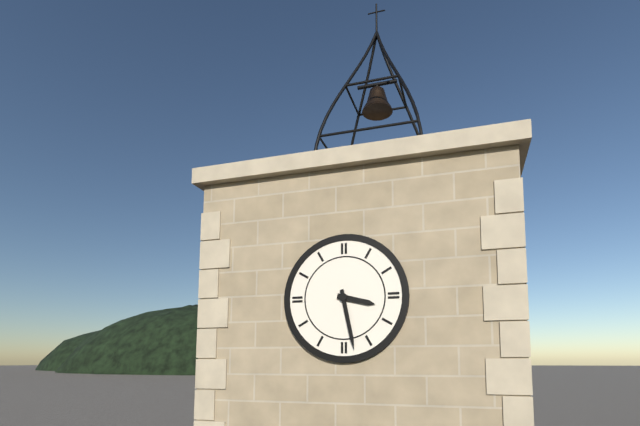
3:28
